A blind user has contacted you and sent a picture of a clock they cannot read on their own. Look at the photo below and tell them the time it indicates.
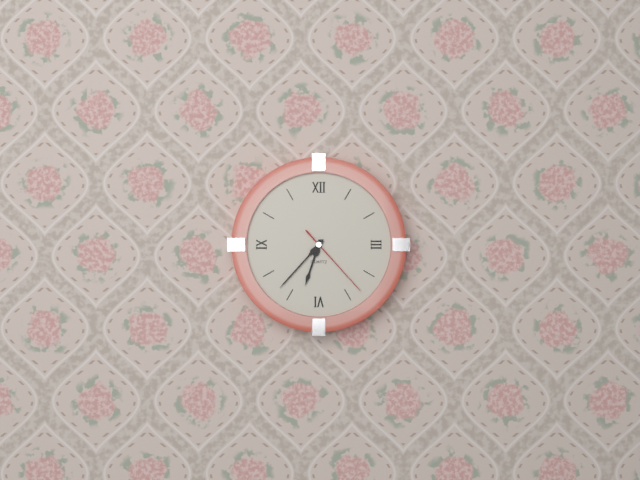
6:37:23
